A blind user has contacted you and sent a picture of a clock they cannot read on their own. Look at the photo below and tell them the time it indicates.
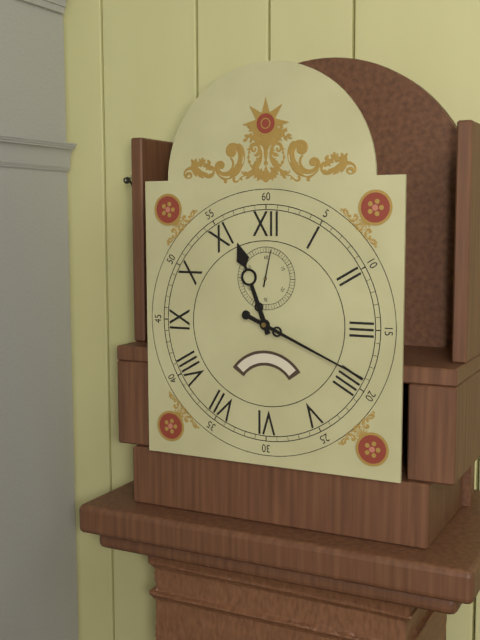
11:19
